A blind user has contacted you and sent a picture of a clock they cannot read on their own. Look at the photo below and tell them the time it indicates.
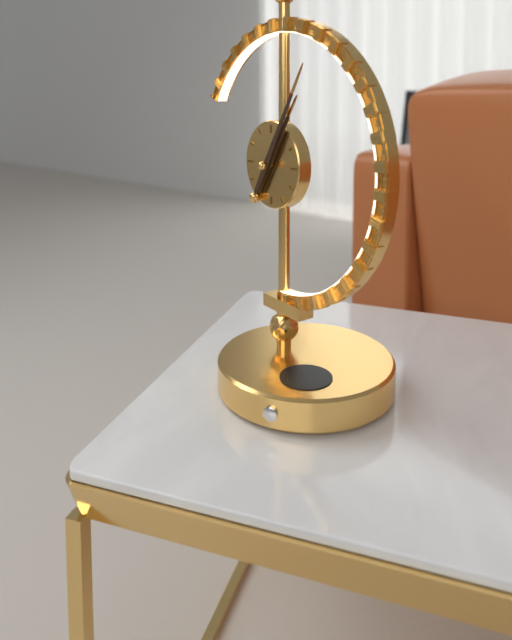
1:05
